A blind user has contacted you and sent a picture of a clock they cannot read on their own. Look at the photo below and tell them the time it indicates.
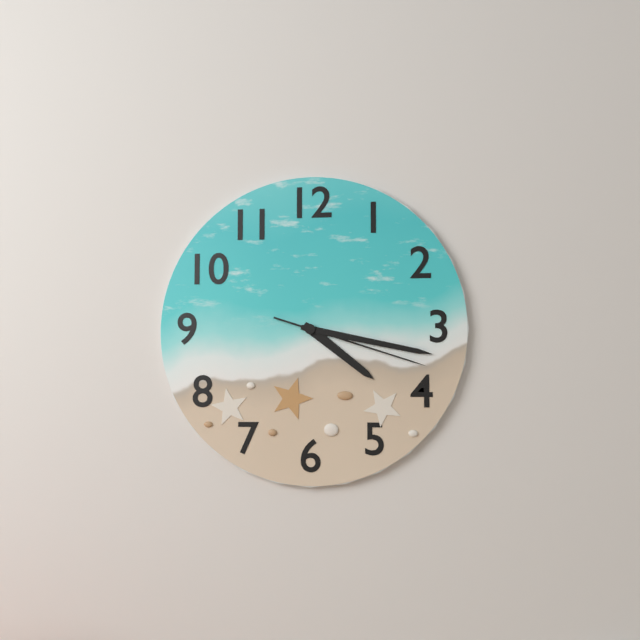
4:17:18
